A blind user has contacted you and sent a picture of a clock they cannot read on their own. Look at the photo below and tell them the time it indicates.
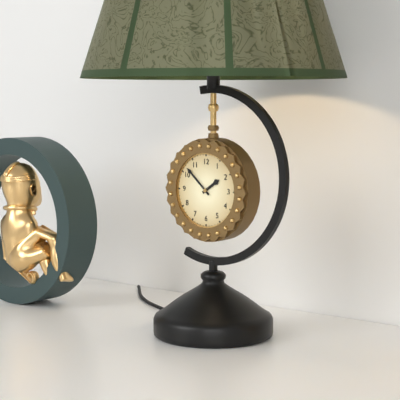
1:52
